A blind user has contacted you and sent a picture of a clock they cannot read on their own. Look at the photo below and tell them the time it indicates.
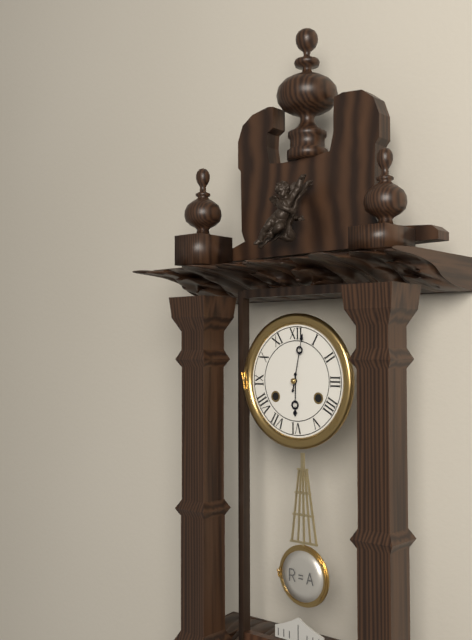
6:02
